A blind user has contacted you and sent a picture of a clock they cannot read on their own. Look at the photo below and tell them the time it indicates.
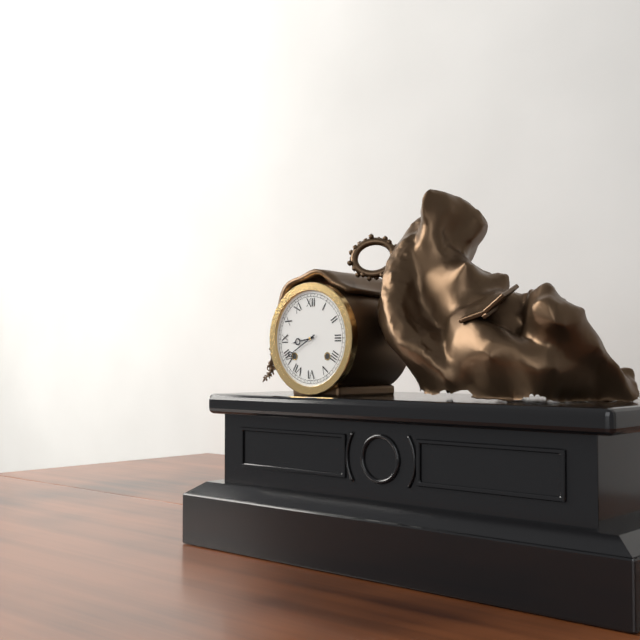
8:40
